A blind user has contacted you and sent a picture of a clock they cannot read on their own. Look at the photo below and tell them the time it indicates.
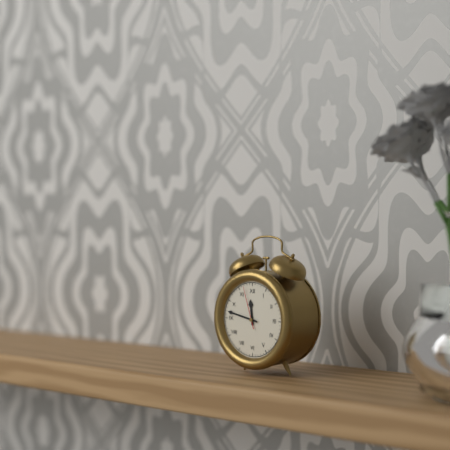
11:47
